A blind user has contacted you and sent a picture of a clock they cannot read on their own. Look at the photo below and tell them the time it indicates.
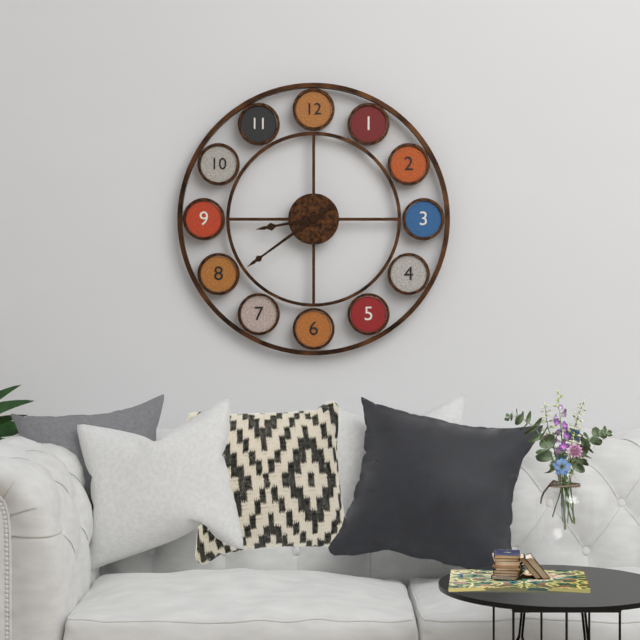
8:39
